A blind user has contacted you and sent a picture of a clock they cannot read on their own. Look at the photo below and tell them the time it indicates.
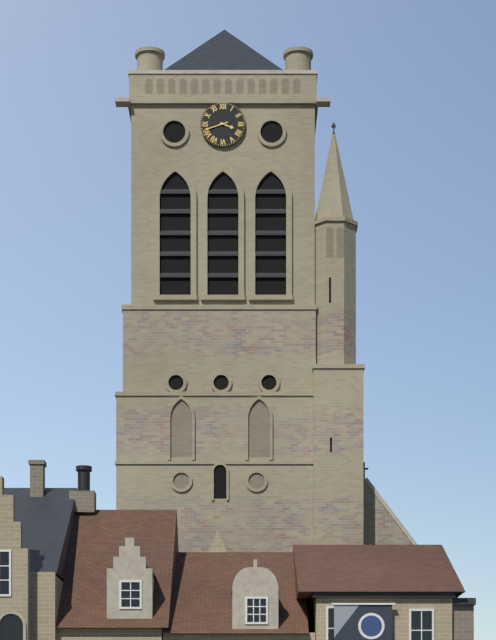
3:42
